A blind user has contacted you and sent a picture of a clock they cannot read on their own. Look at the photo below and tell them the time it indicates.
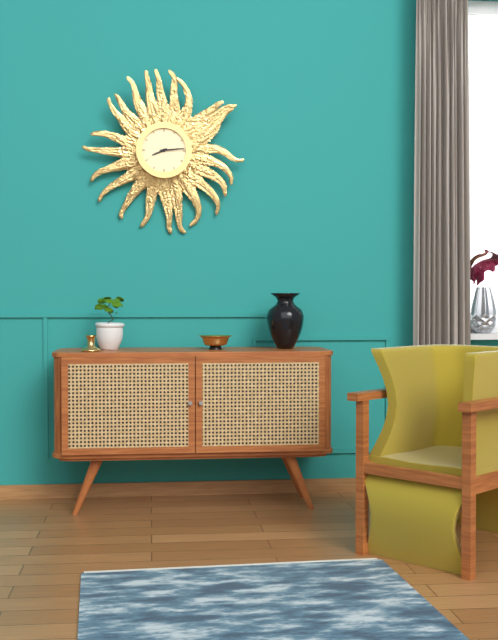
8:14
